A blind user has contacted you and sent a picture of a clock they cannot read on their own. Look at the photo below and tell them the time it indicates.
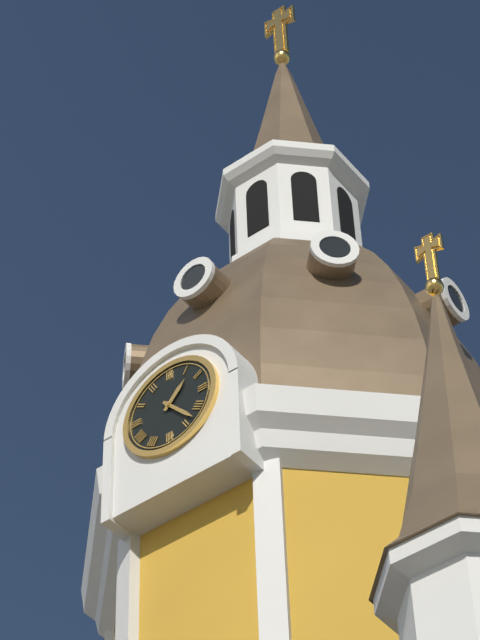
1:23
